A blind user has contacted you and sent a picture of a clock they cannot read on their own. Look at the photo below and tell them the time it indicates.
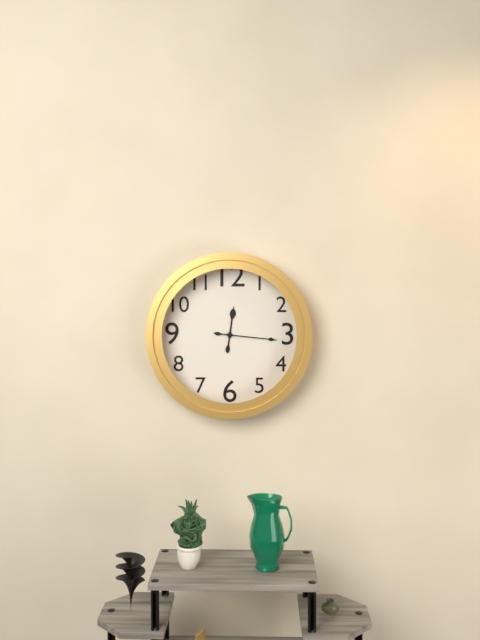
12:16
